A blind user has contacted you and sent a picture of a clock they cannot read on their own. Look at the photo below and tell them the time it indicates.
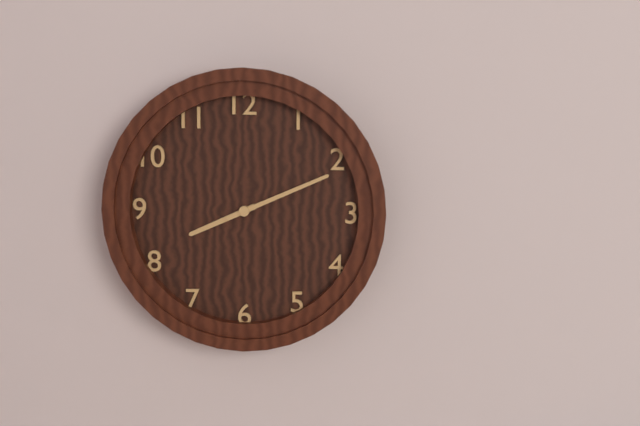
8:11
